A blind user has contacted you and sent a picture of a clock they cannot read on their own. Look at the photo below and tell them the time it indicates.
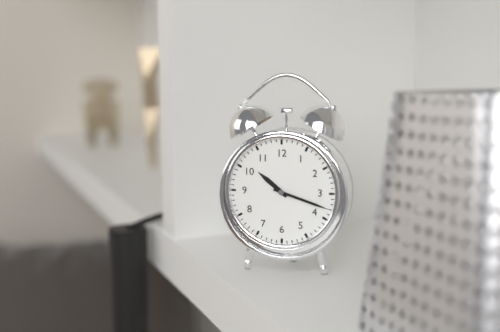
10:18
